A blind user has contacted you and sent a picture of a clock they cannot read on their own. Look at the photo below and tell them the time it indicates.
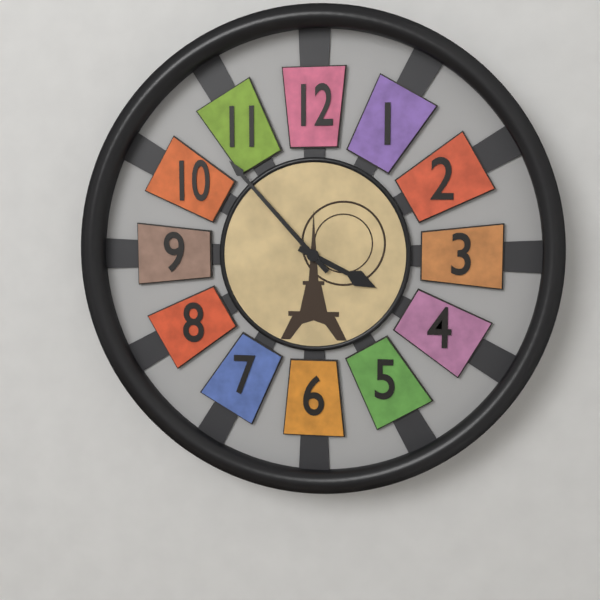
3:53
